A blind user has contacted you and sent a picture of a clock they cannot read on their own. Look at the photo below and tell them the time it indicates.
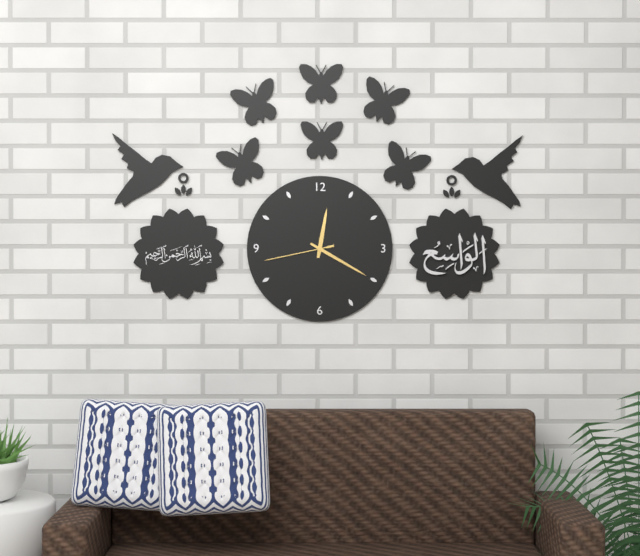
12:20:43
